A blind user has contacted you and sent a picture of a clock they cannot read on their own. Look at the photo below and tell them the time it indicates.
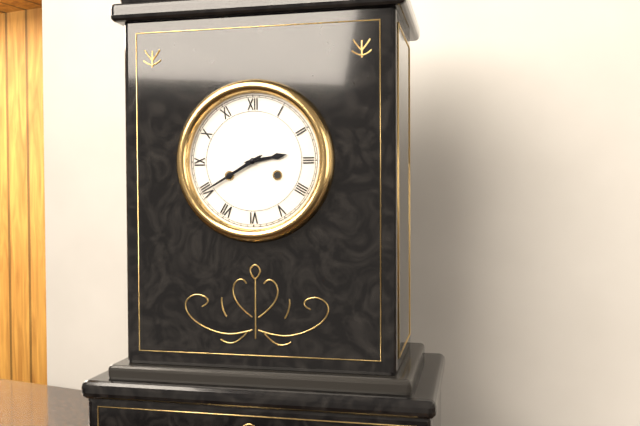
2:40
